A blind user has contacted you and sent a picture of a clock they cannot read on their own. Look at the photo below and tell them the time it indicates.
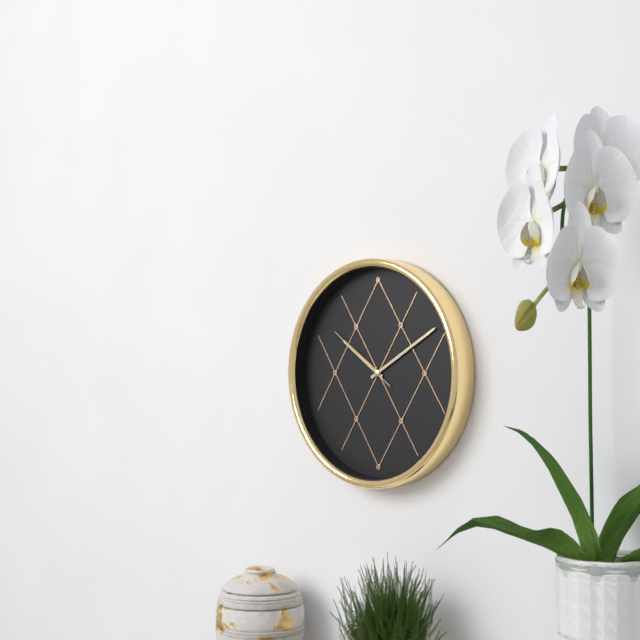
10:10:51
